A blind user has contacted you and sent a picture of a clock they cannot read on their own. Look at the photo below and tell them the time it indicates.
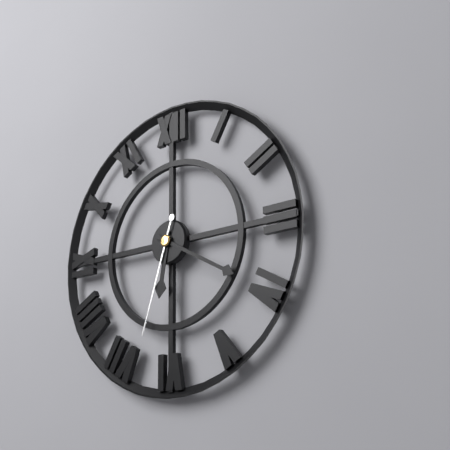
6:20:33
